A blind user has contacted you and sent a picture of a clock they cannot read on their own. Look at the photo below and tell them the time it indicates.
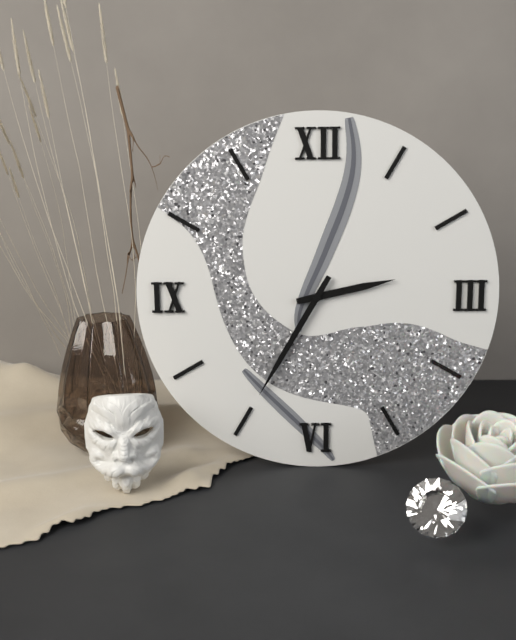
2:35
